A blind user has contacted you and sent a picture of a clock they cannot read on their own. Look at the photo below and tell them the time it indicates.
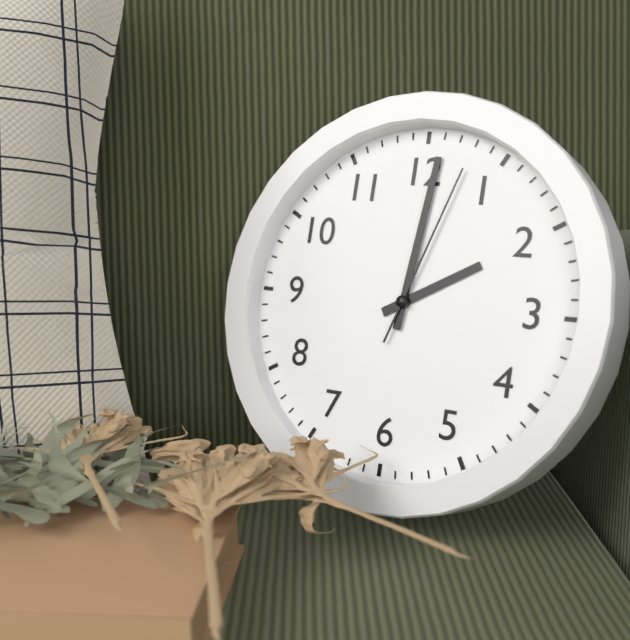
2:01:03
